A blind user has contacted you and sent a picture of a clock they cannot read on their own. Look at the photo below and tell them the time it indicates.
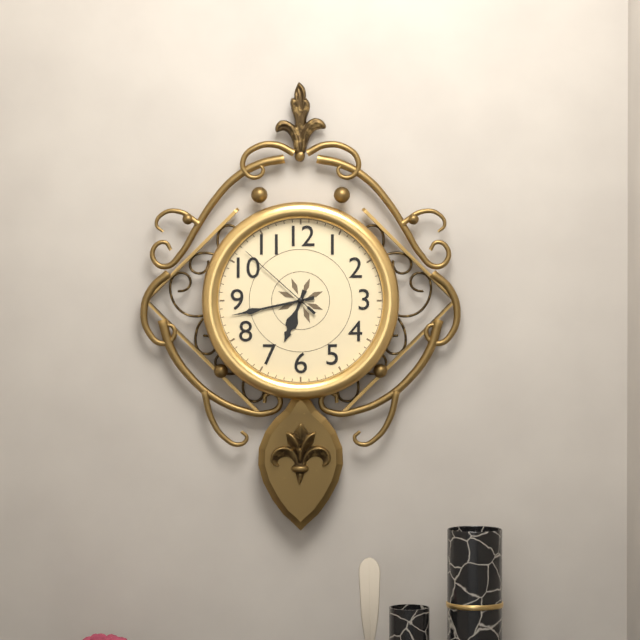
6:43:52
